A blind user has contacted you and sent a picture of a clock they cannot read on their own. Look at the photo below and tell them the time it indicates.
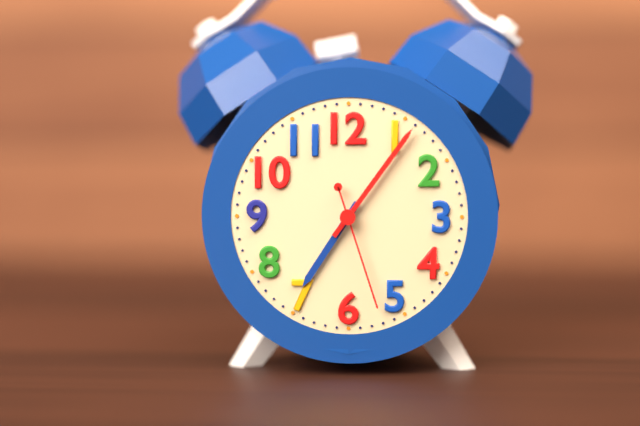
7:06:27
